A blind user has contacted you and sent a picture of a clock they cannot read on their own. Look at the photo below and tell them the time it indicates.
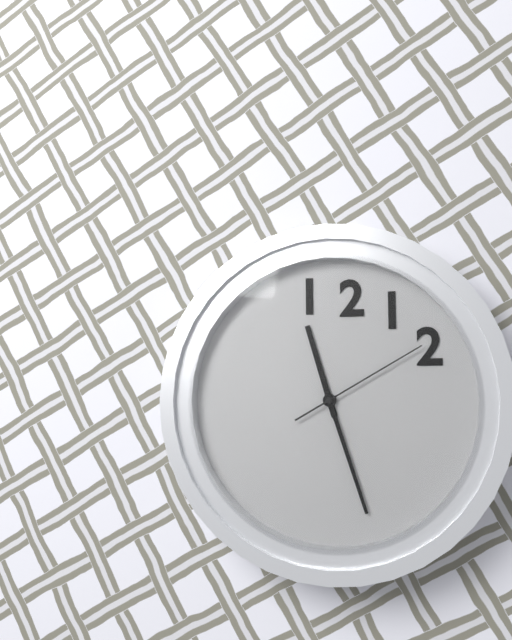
11:27:10
